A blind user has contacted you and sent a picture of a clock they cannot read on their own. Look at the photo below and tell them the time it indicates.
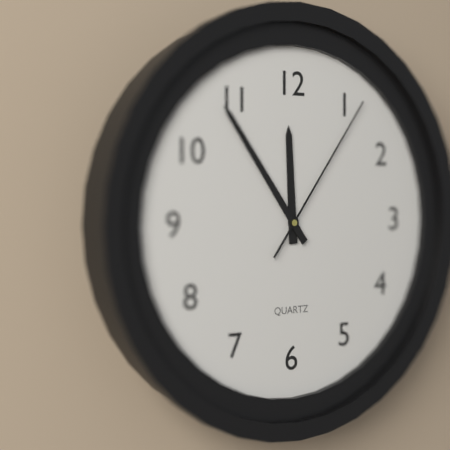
11:54:06
